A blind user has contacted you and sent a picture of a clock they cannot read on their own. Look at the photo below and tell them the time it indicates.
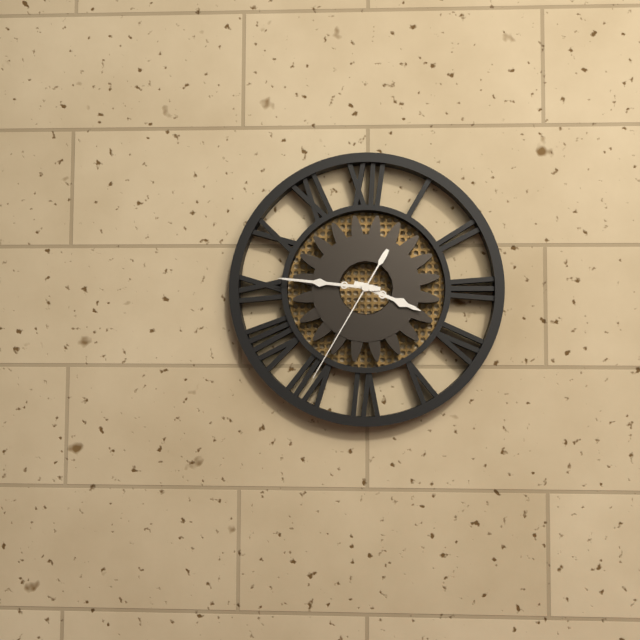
3:46:35
